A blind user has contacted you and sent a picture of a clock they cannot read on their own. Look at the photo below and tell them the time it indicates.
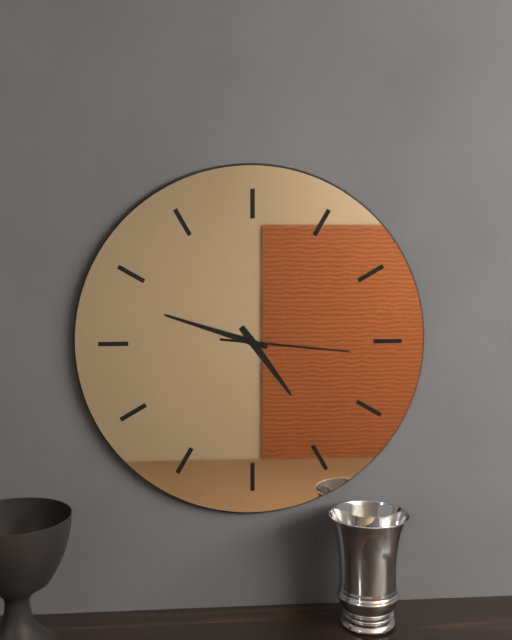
4:48:16
